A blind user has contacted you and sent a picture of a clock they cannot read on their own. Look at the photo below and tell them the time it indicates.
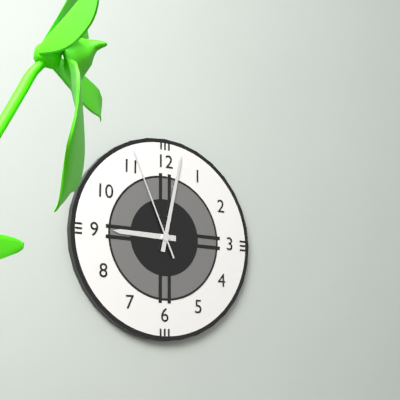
9:02:56
